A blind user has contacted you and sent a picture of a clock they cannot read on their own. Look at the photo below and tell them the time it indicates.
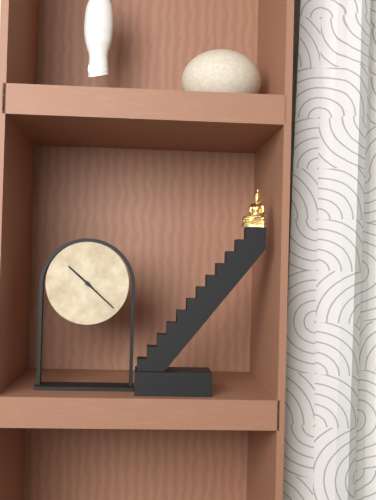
10:22
